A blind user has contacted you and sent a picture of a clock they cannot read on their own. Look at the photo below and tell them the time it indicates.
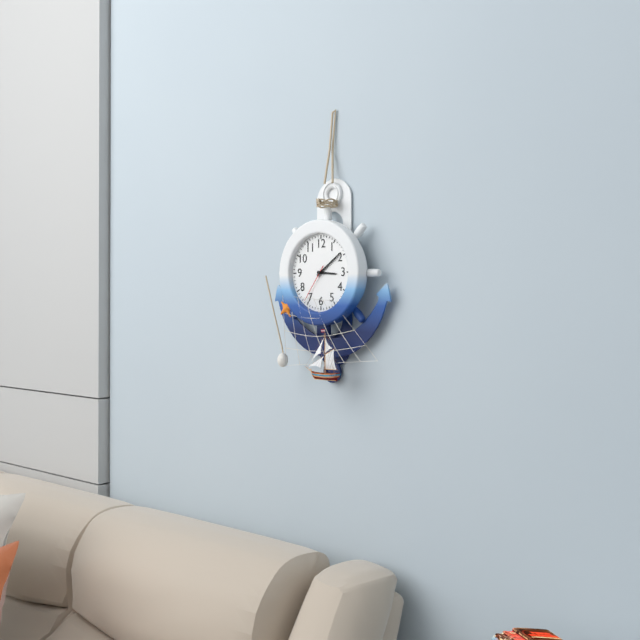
3:09:36
